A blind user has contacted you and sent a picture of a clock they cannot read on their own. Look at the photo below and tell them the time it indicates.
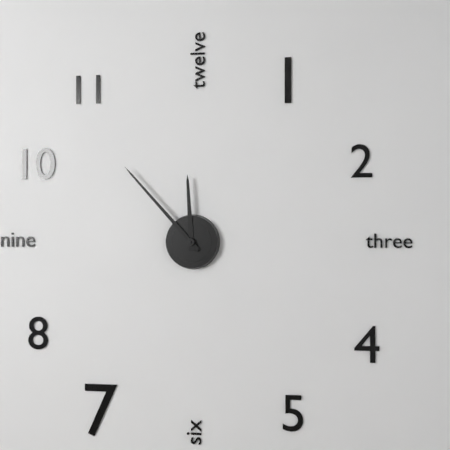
11:53
